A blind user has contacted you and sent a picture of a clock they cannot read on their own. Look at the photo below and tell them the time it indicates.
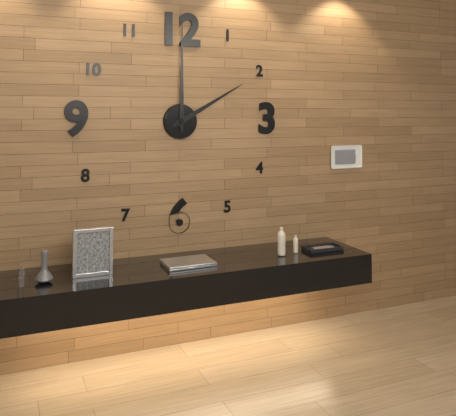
2:00
